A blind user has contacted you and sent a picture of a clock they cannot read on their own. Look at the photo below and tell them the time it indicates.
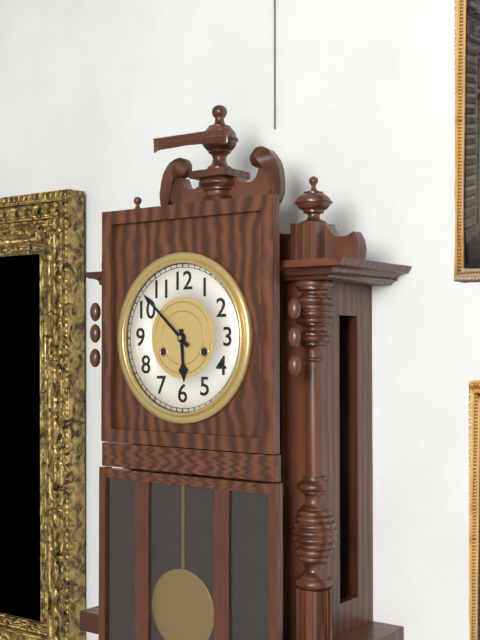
5:52
